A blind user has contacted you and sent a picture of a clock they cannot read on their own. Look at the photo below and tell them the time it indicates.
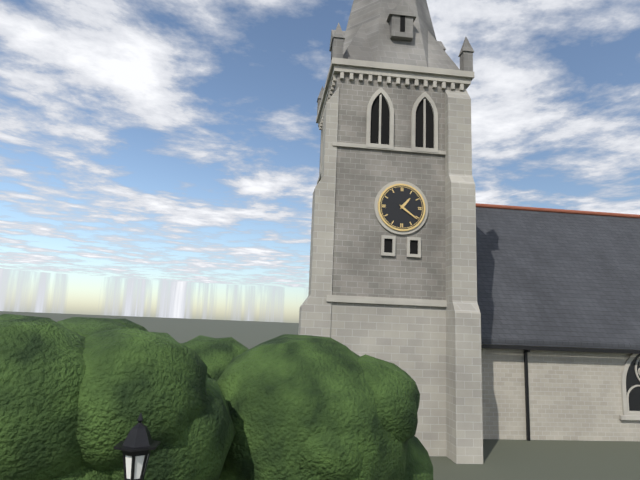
1:21
